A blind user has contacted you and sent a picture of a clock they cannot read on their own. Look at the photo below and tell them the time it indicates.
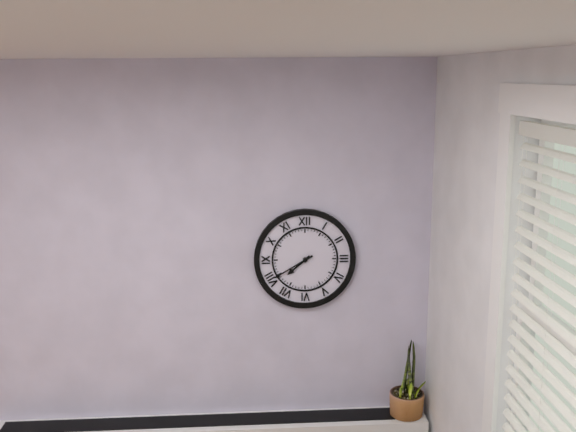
7:40
